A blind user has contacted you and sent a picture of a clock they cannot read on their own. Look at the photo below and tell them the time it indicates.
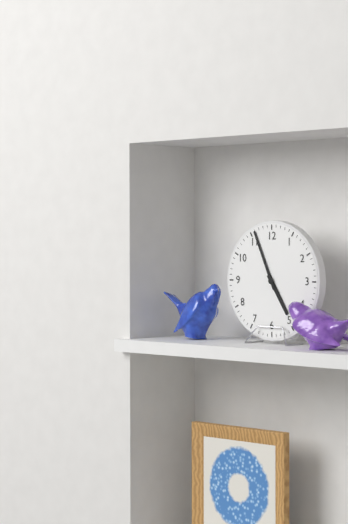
4:56
